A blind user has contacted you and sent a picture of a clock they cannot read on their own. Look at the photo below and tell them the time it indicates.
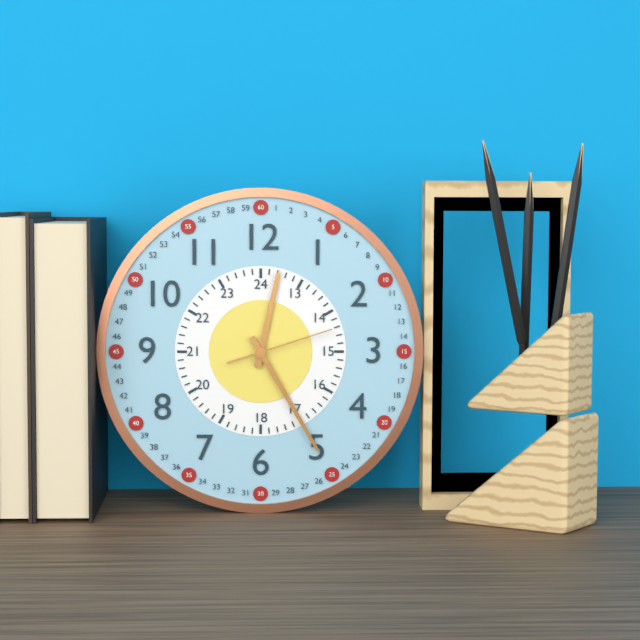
12:25:12
